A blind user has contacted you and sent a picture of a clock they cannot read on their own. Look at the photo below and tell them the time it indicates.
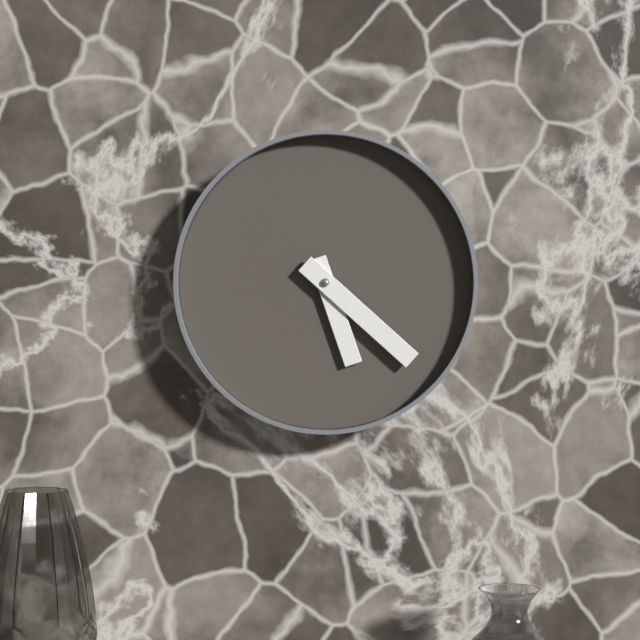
5:22
